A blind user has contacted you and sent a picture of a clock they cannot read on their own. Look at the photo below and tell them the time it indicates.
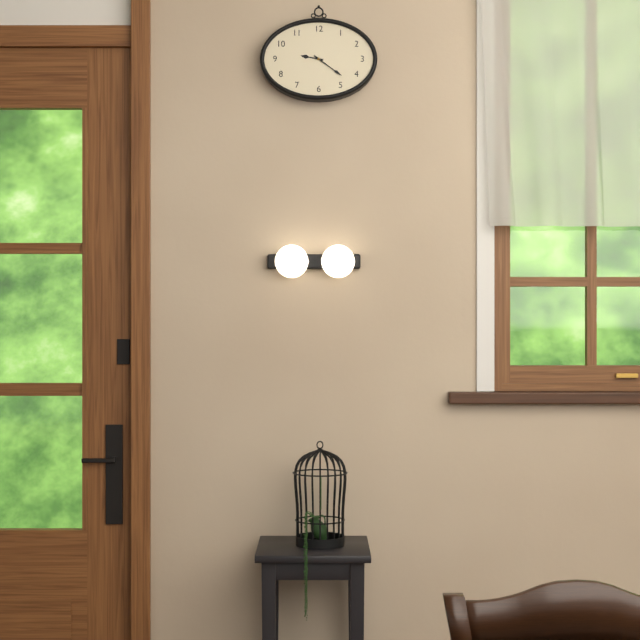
9:21
